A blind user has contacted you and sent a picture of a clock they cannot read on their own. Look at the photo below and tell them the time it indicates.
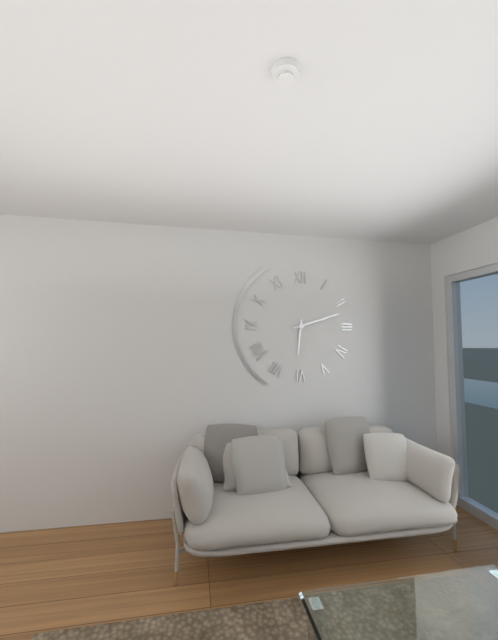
6:12
